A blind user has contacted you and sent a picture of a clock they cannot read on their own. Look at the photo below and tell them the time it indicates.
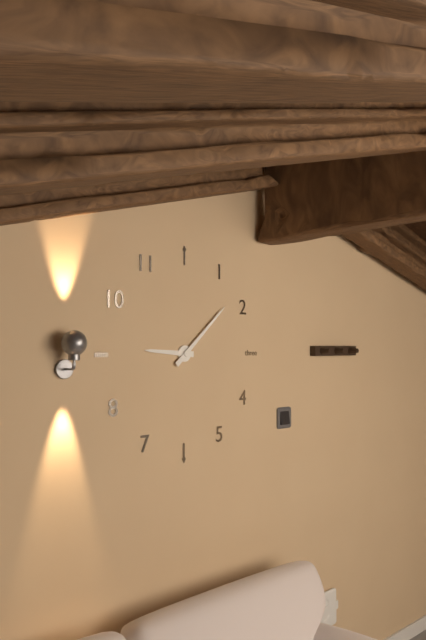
9:08
